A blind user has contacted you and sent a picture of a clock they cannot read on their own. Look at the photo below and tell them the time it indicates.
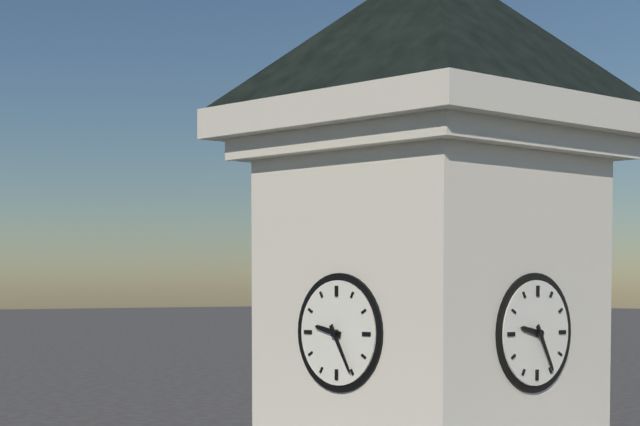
9:25
